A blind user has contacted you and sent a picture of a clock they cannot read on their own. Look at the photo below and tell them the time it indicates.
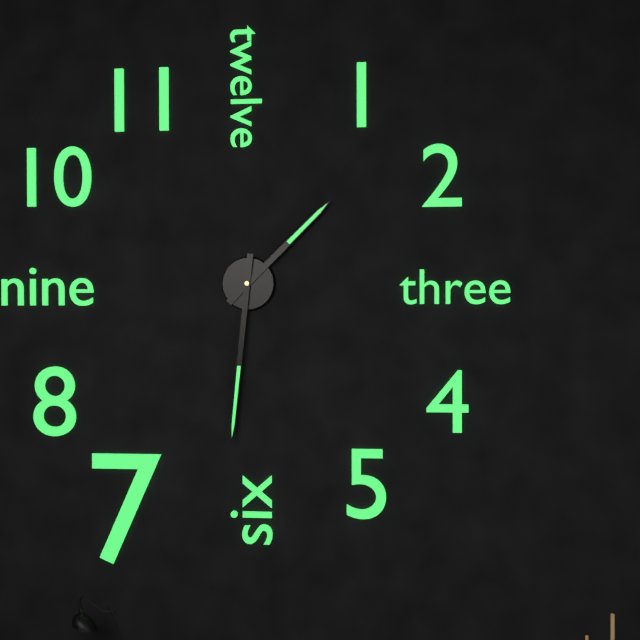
1:31
